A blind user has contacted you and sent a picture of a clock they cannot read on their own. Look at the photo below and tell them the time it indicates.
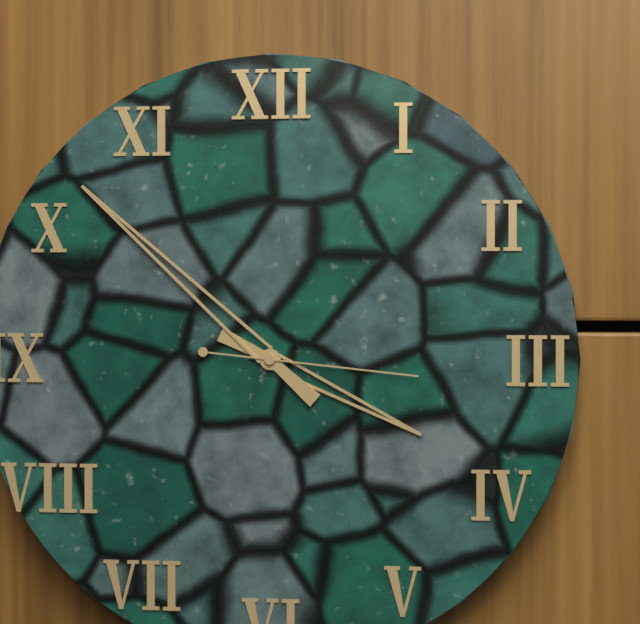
3:52:16
